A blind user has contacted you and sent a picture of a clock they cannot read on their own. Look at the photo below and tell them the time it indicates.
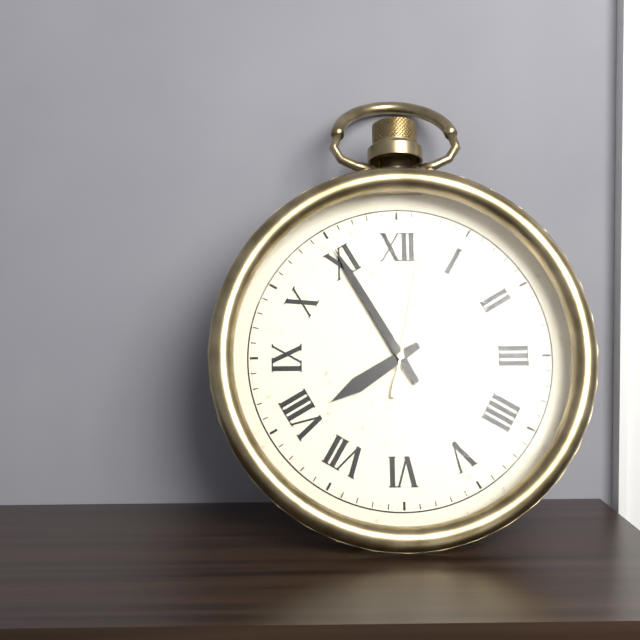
7:55:02
